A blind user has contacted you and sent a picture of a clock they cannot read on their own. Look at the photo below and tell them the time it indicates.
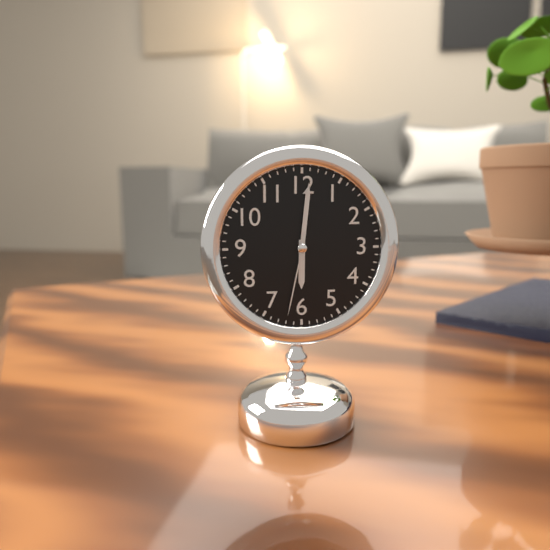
6:01:32
